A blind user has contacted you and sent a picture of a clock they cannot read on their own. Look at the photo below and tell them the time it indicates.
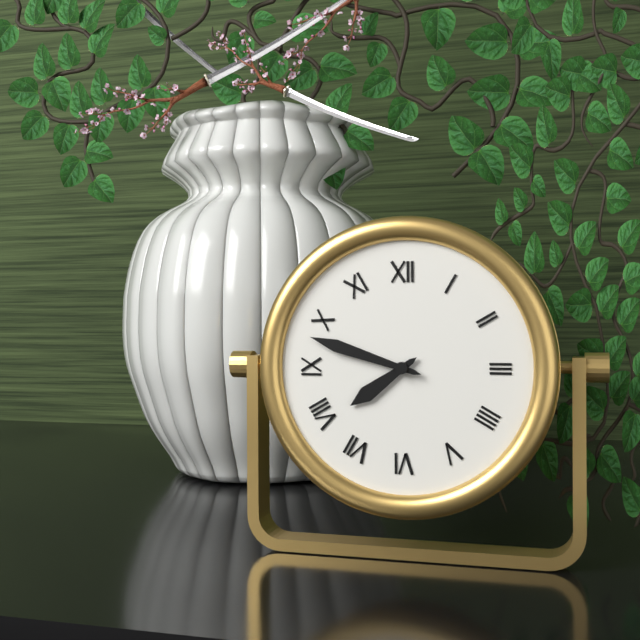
7:48
